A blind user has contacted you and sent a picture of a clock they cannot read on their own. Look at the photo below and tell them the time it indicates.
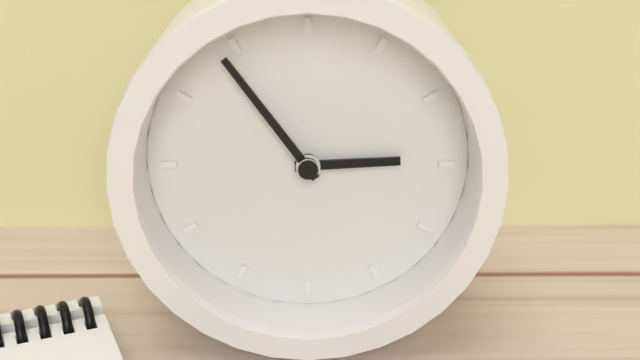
2:54
